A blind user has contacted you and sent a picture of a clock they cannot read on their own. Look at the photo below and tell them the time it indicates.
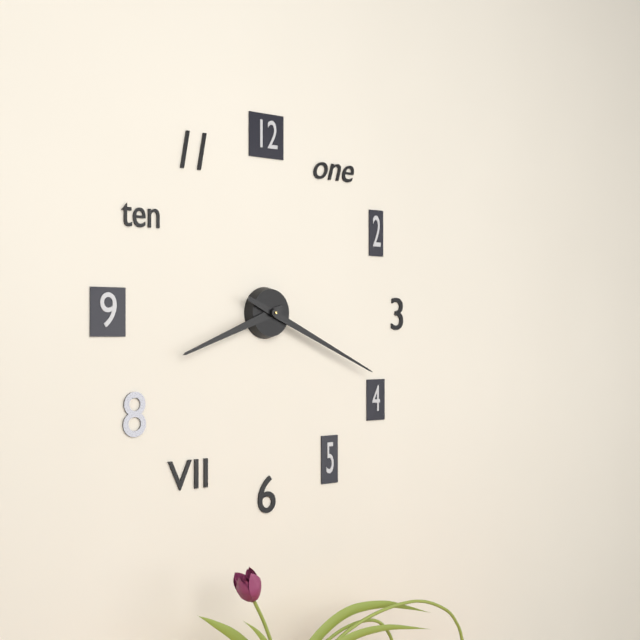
8:19
